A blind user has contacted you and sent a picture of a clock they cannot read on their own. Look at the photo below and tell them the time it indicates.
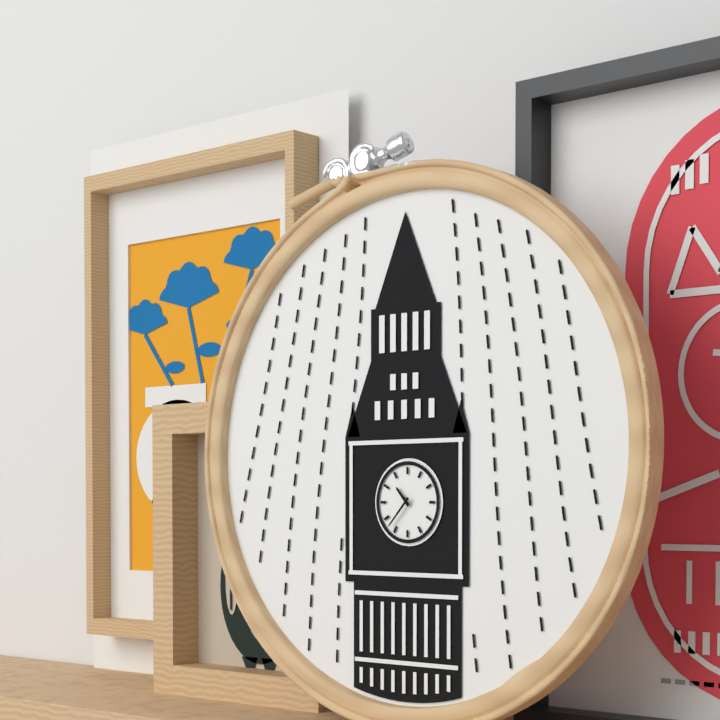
10:37
